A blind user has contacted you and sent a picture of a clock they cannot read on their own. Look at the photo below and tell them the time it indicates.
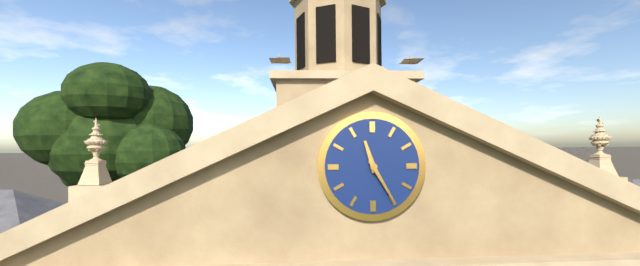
11:25
